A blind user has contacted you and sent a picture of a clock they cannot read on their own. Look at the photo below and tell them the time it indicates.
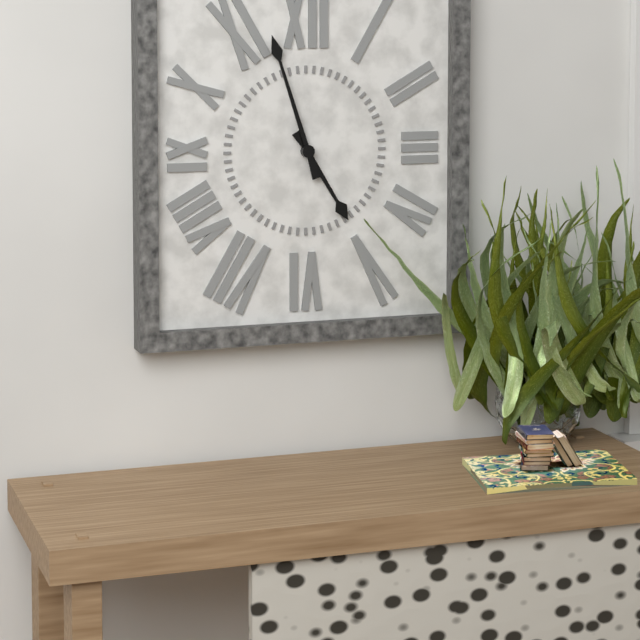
4:57
